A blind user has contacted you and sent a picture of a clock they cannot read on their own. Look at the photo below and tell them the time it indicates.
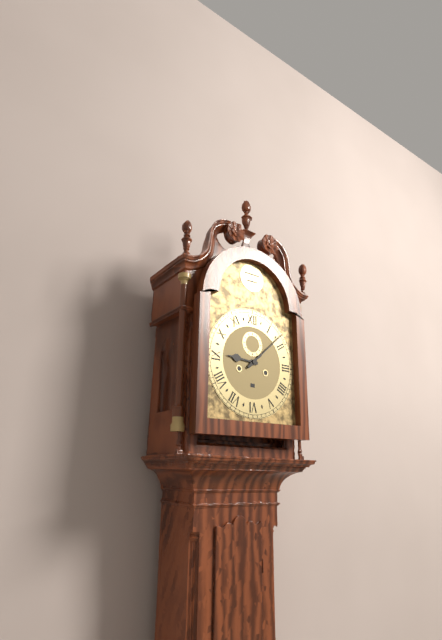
9:08
